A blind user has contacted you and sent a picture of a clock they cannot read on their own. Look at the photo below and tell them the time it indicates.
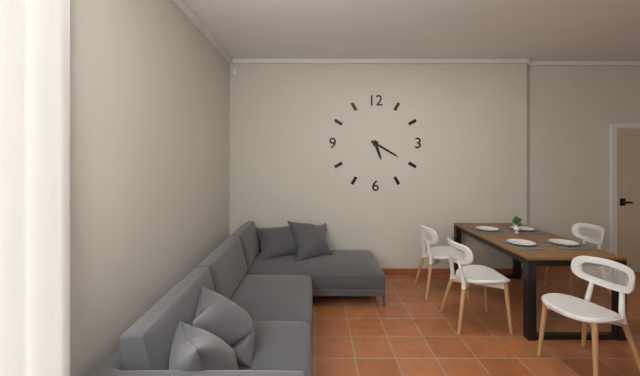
5:20
